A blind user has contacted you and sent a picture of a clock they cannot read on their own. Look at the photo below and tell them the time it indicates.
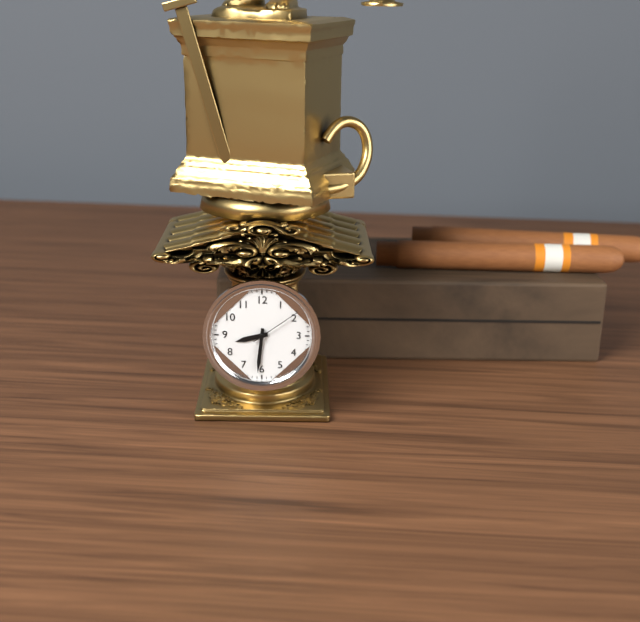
8:31:09
